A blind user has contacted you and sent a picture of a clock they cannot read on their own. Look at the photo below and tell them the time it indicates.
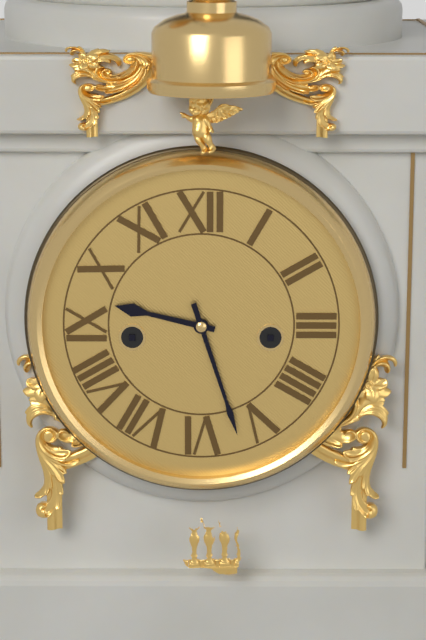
9:27
